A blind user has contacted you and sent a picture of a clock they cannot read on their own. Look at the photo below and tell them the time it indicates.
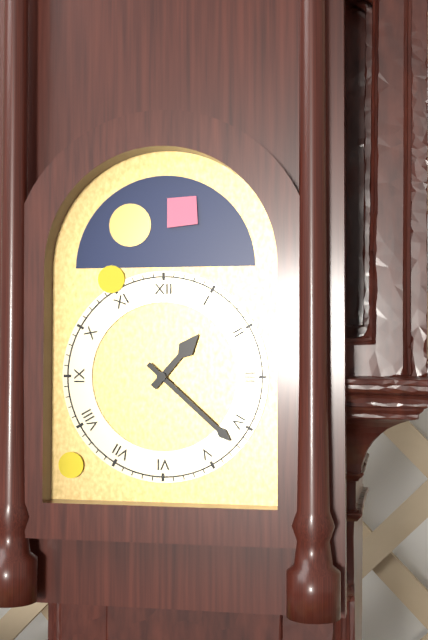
1:22
